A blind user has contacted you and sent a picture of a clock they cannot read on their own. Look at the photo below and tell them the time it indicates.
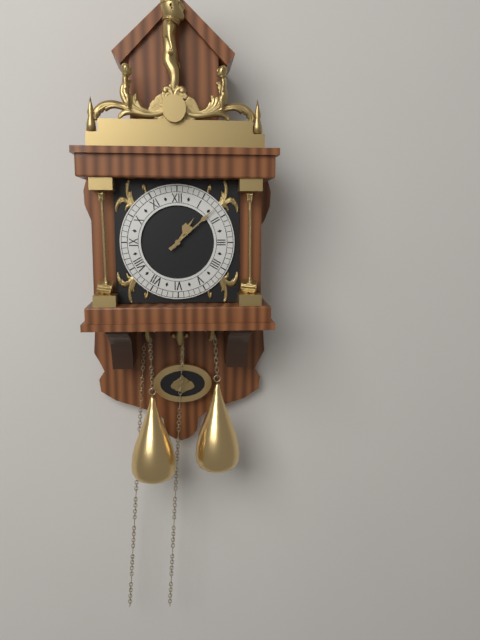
1:08
